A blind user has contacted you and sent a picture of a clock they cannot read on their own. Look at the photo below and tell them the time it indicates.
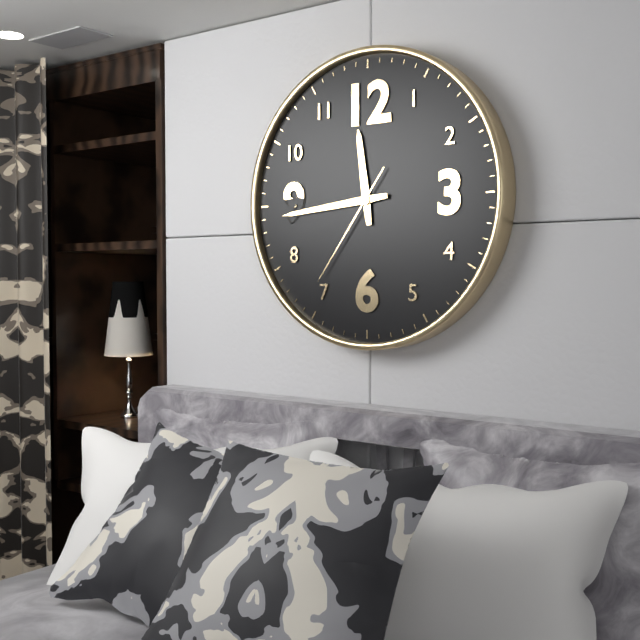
11:44:36
